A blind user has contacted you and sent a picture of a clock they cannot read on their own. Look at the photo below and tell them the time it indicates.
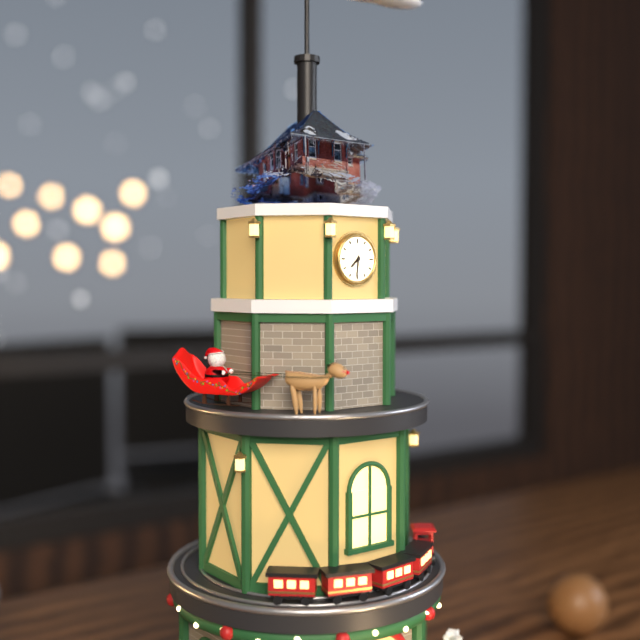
7:31
